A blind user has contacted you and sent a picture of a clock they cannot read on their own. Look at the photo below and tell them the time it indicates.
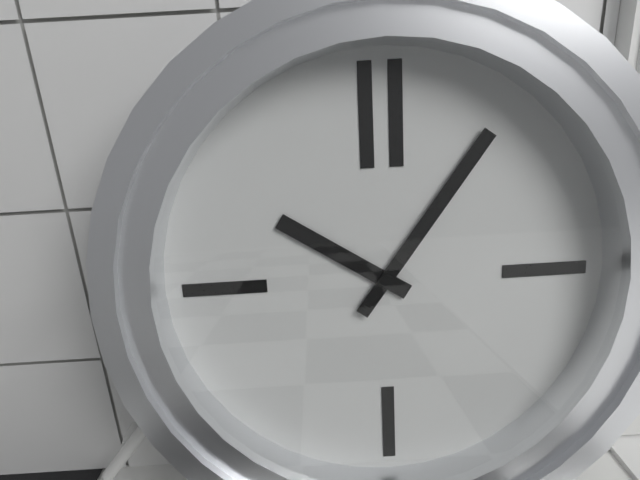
10:06
